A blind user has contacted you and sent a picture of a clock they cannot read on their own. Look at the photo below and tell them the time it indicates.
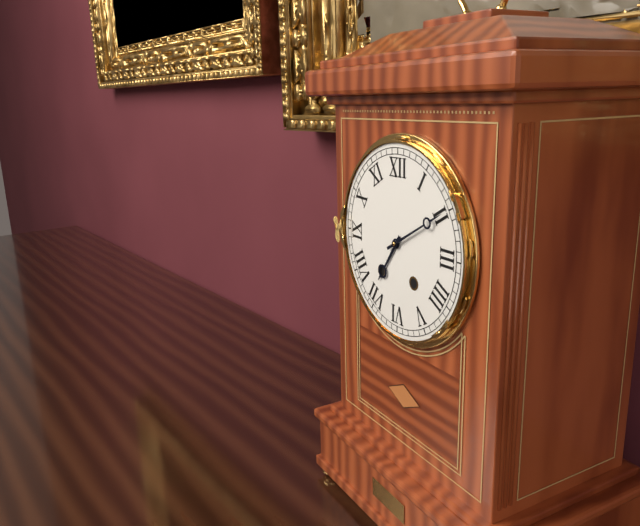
7:10
